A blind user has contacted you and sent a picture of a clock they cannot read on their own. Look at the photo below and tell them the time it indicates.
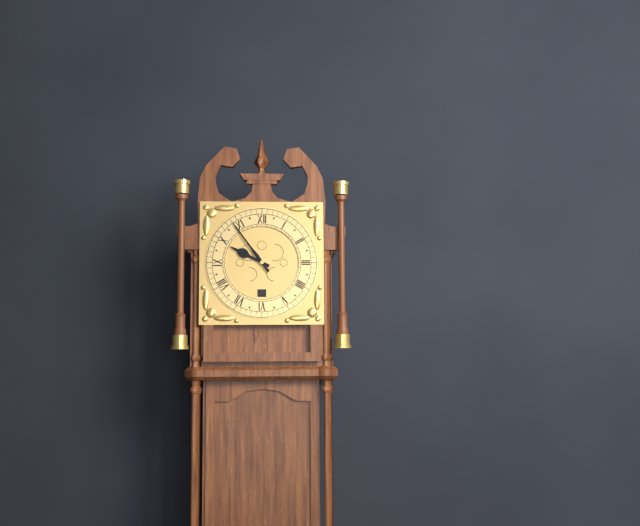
9:54
